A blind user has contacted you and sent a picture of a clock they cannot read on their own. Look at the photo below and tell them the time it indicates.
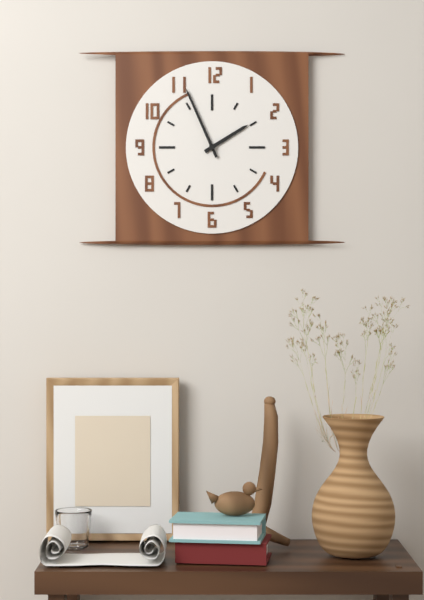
1:56
